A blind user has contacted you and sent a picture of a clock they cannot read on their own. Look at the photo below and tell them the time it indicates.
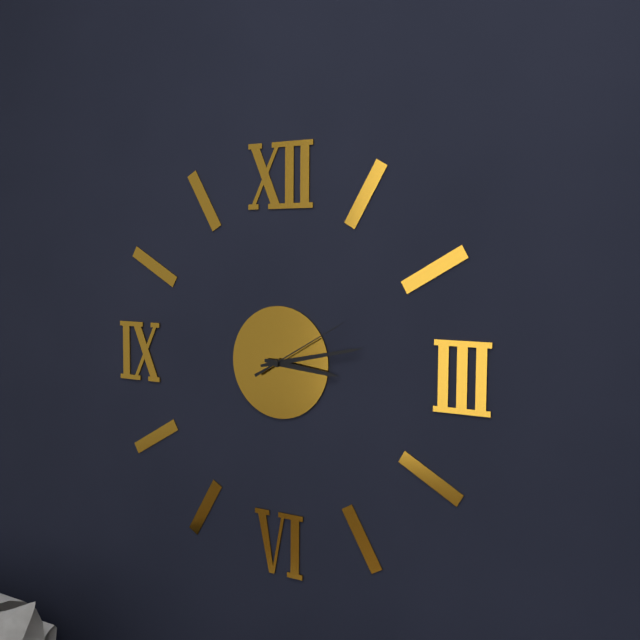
3:13:10
